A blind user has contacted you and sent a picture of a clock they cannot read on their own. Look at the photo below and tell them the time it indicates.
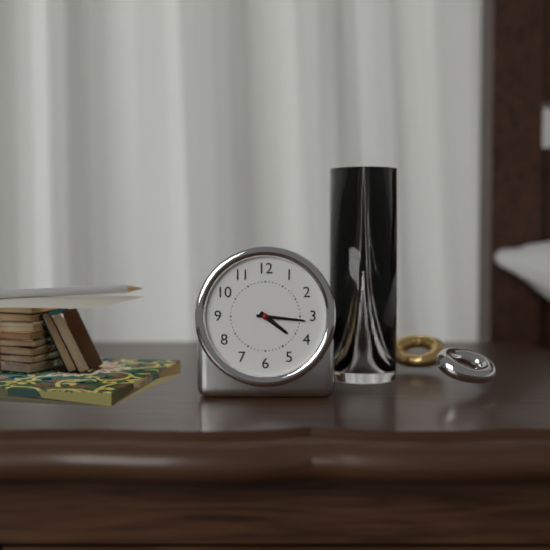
4:16
